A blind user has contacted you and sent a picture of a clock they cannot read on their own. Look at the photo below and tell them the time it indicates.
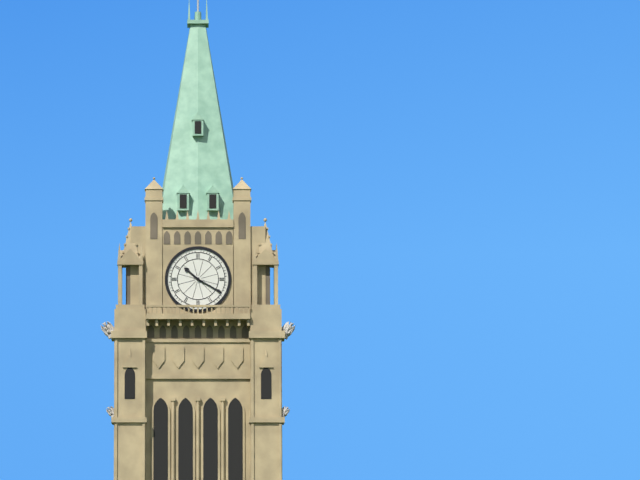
10:20
